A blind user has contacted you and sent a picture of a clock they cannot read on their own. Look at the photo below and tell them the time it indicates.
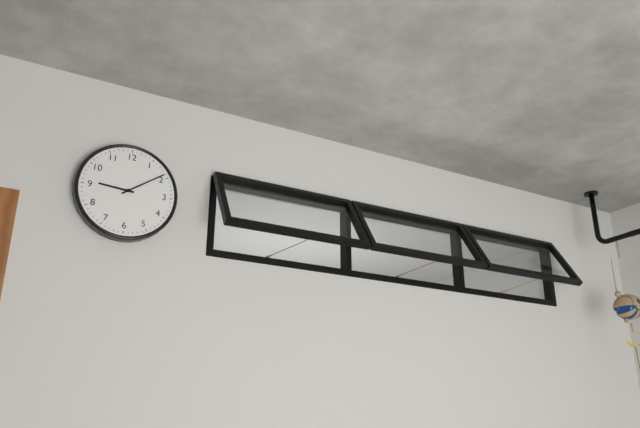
9:09
